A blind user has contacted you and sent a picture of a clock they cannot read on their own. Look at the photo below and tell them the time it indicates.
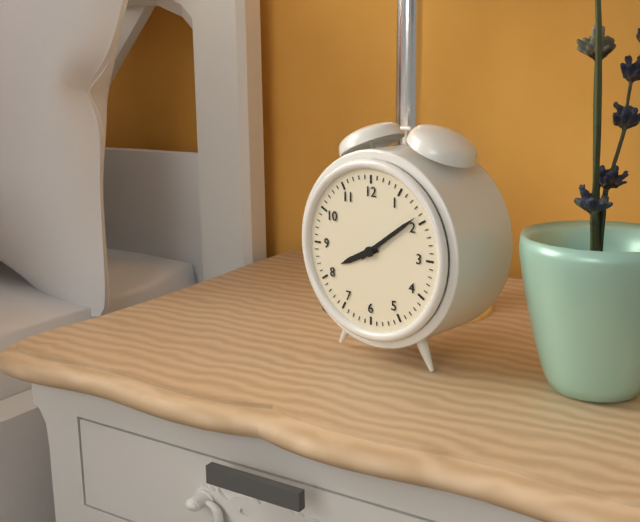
8:09
